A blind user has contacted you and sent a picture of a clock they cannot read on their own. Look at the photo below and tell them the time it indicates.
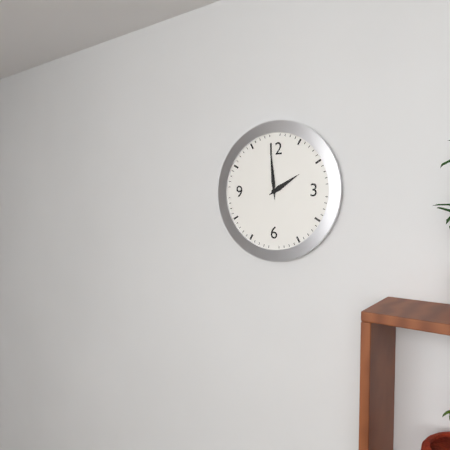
1:59
